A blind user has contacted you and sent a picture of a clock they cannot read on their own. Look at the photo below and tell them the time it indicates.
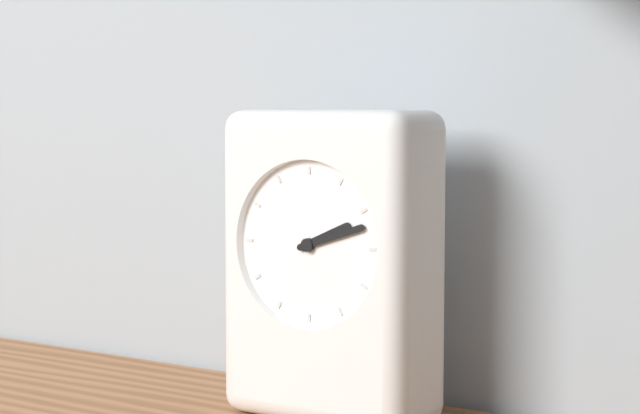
2:12
